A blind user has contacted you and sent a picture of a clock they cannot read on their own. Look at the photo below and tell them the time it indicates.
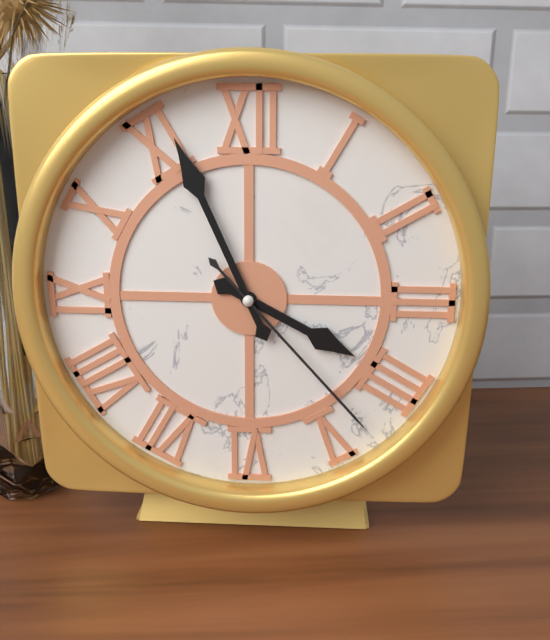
3:56:23
